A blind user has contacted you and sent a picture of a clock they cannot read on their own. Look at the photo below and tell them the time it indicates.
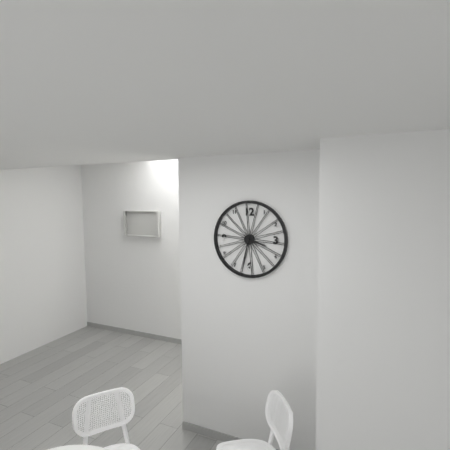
3:32
